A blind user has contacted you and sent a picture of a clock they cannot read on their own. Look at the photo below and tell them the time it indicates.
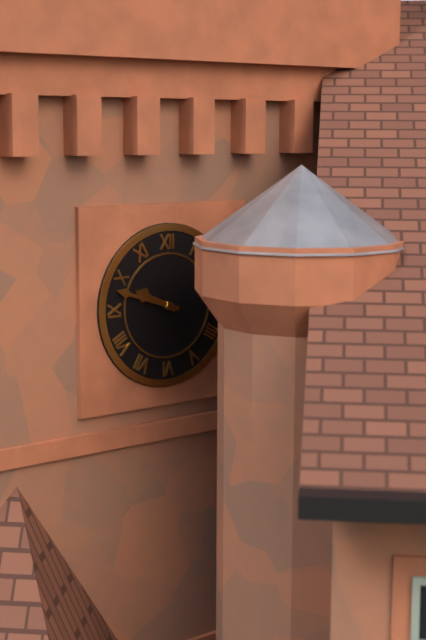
9:48
